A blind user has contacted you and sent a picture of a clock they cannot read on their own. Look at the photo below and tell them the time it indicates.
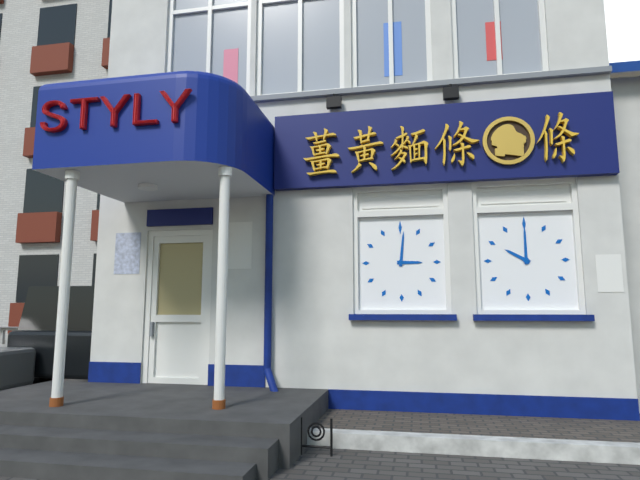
3:01
